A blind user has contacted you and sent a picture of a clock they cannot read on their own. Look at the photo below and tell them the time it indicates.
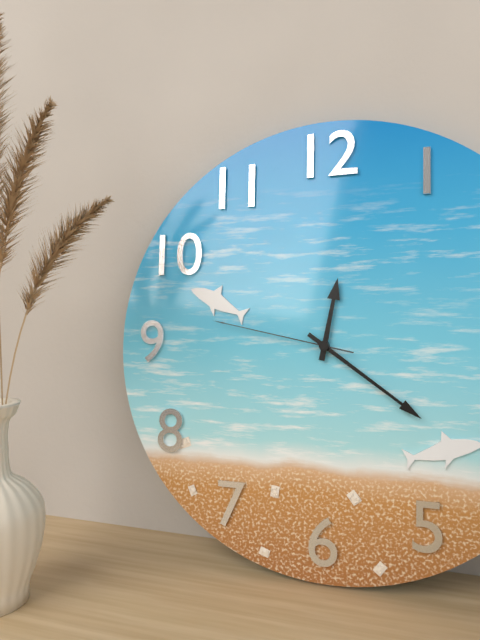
12:21:47
